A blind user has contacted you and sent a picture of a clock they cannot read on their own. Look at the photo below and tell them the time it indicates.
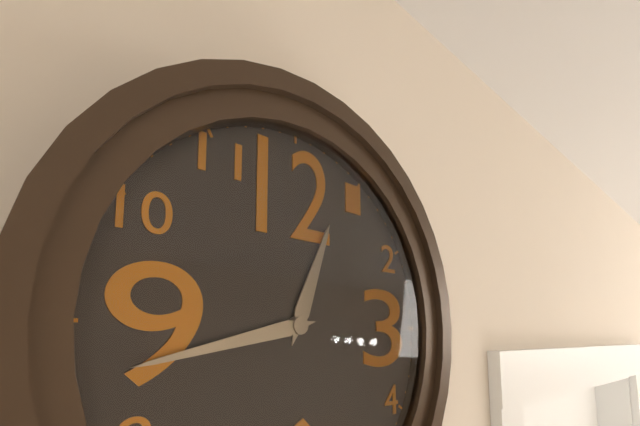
12:43
